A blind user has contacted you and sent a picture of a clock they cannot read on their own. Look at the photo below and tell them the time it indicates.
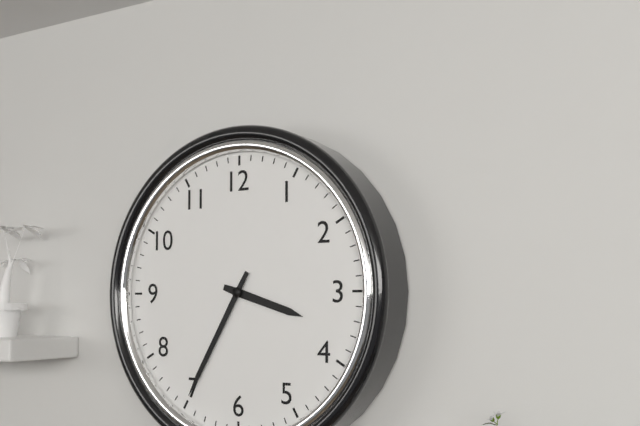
3:35
